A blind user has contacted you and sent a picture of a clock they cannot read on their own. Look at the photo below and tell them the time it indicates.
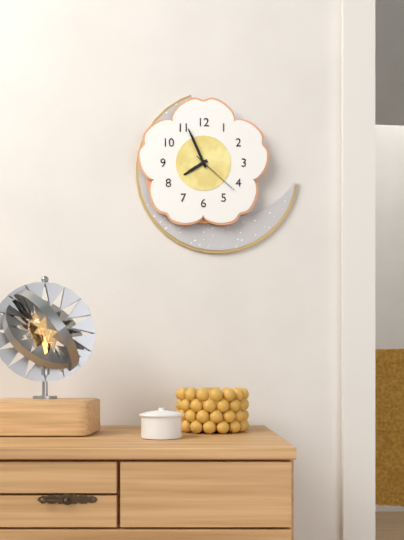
7:56:22
